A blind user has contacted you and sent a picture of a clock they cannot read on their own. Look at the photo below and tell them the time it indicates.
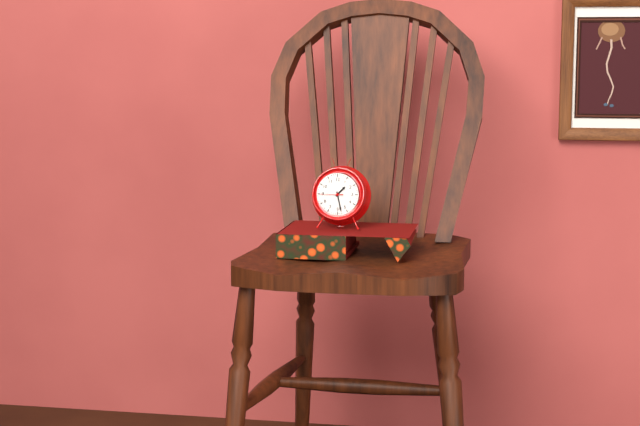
1:28
